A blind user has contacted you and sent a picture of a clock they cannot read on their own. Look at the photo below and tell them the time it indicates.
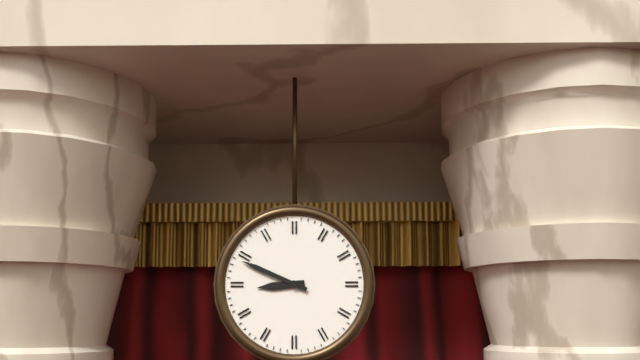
8:49
